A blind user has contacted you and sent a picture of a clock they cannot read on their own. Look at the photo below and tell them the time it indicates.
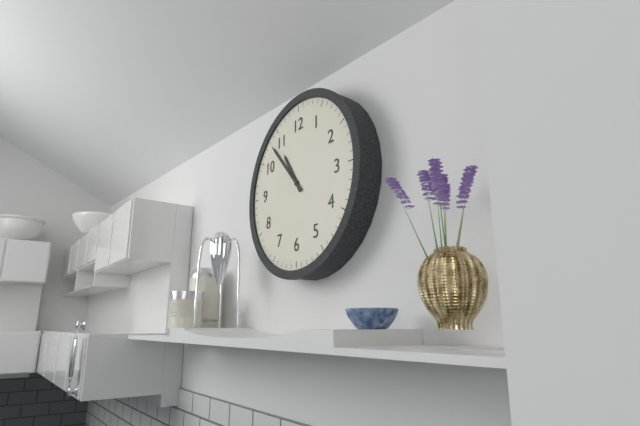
10:53
